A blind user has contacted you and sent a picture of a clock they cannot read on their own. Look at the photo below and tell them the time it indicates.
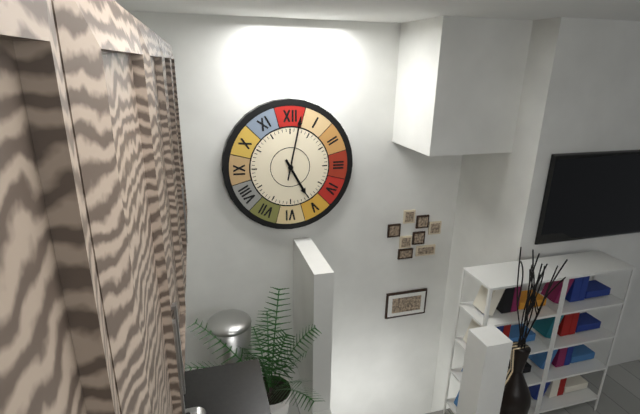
5:02
